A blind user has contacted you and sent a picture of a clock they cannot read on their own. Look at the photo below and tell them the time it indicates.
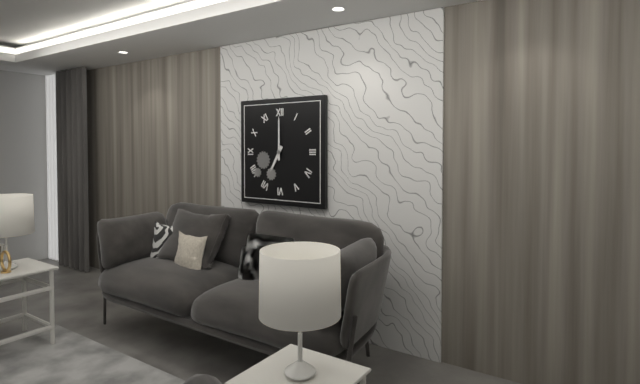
7:00
